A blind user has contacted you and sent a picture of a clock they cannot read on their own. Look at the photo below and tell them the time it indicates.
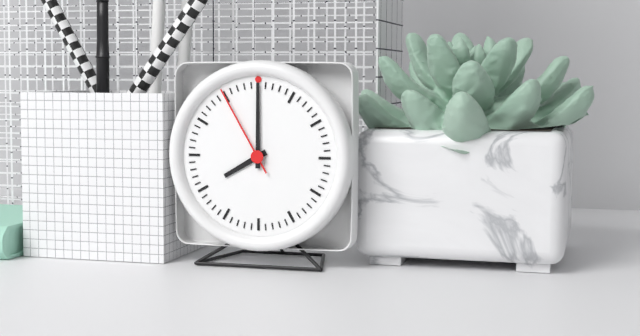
8:00:55
